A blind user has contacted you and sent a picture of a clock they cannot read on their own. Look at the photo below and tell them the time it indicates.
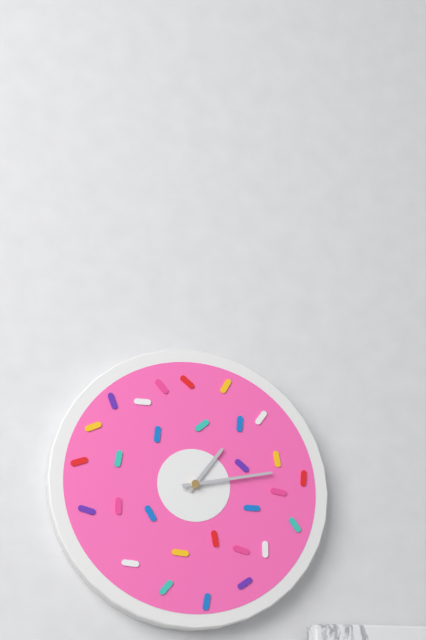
1:13
